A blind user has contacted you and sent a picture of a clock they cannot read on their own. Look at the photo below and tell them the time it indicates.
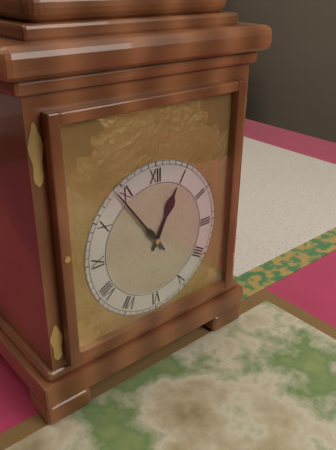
12:54
